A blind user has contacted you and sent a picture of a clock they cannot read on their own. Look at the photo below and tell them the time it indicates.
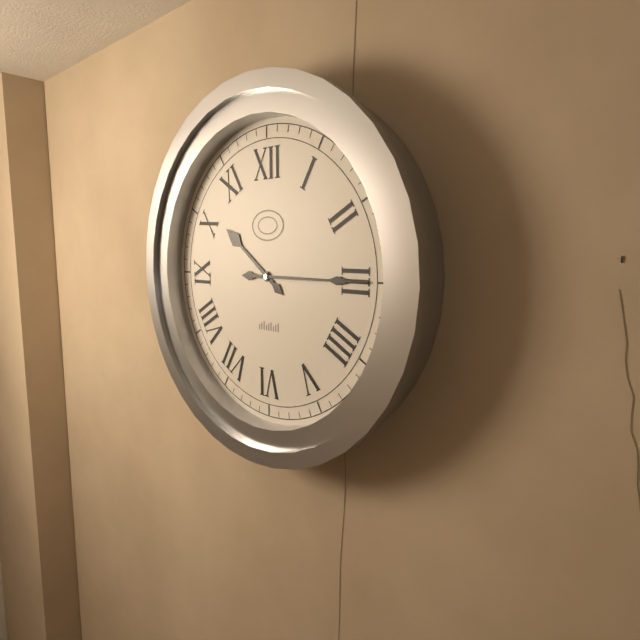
10:15
